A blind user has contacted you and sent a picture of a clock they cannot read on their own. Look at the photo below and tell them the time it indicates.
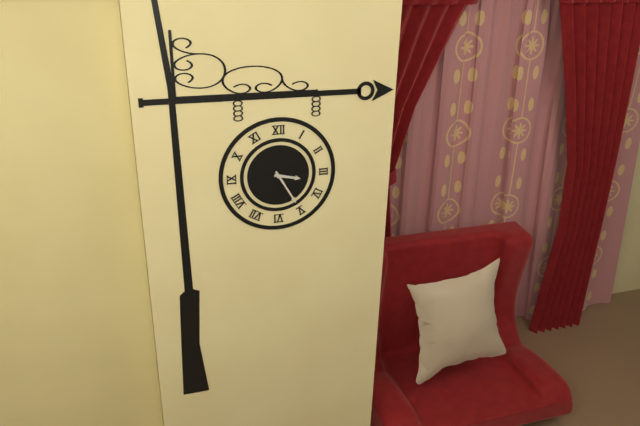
3:25
